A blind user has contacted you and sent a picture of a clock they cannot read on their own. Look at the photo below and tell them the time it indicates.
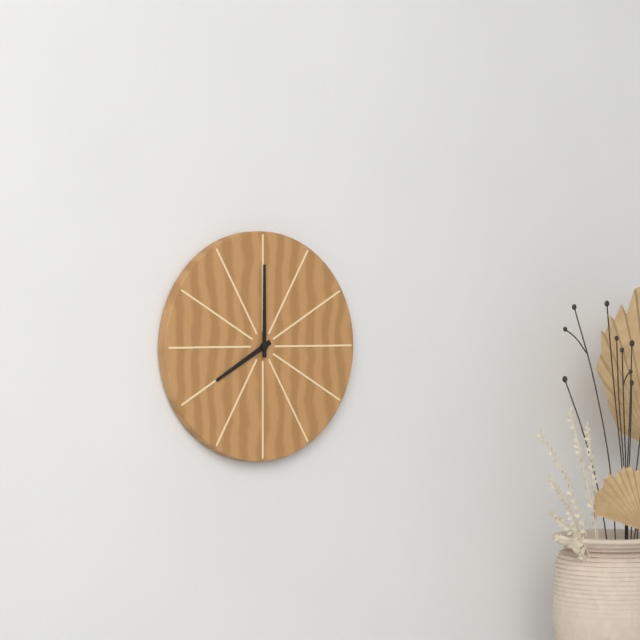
8:00
